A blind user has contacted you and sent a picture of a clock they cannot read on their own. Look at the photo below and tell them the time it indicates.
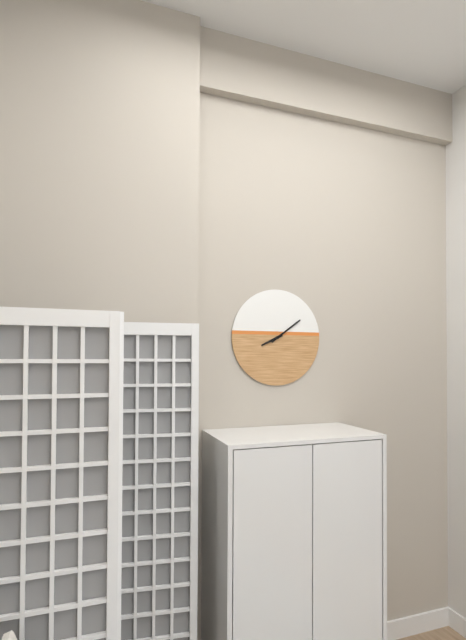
8:09
